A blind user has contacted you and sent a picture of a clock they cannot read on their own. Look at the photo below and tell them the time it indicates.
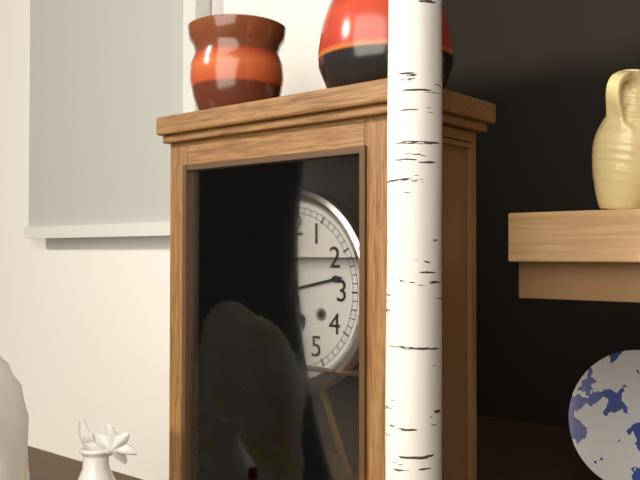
5:13
